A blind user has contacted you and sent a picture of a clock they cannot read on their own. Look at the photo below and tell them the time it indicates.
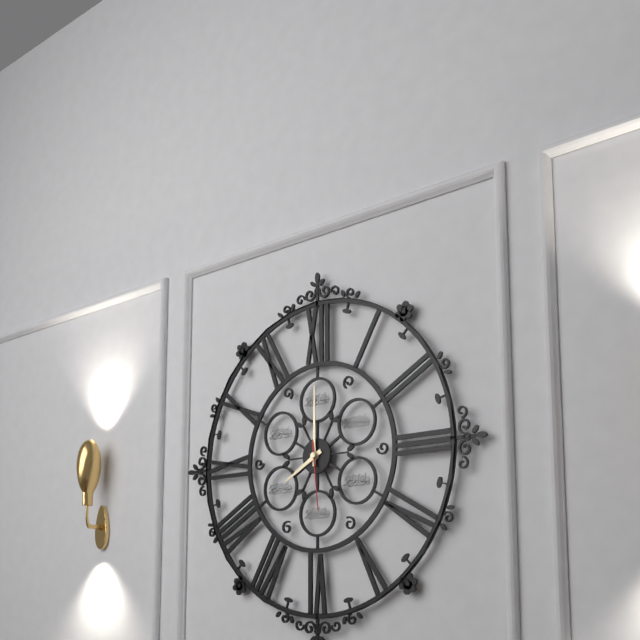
8:00:29
